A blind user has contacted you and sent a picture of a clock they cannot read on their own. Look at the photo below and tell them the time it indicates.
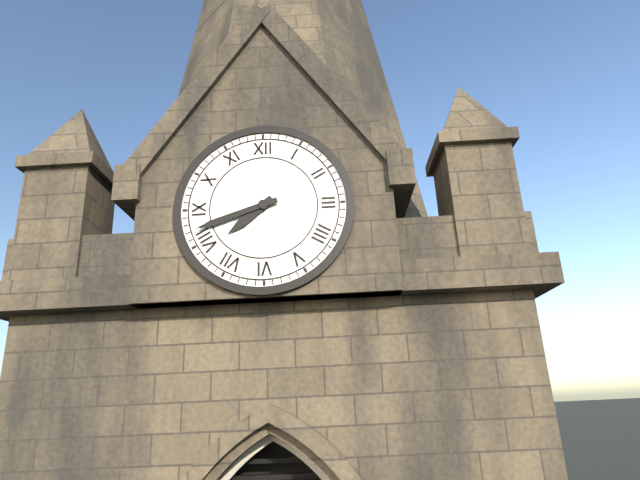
7:42
